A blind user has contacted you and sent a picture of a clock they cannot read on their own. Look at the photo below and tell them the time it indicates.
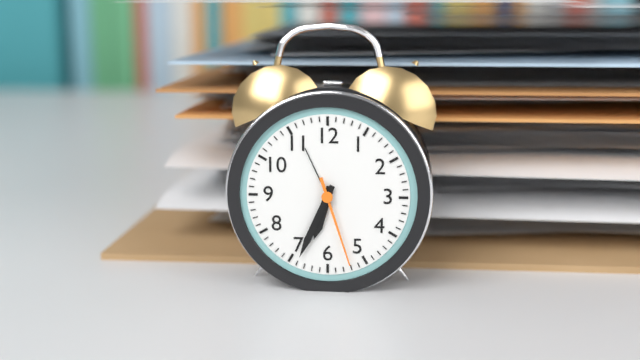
6:34:27
